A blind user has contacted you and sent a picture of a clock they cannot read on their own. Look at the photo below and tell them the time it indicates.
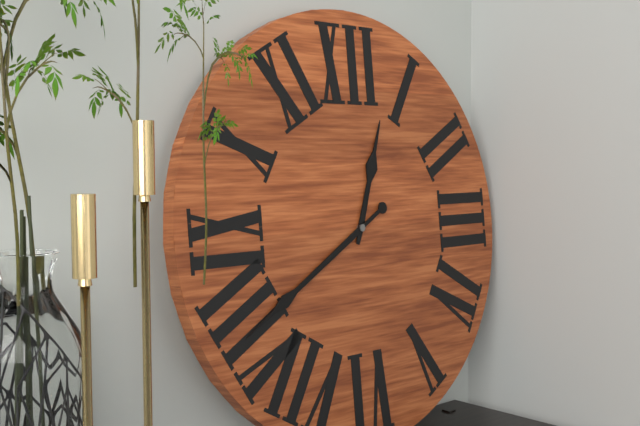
12:40
